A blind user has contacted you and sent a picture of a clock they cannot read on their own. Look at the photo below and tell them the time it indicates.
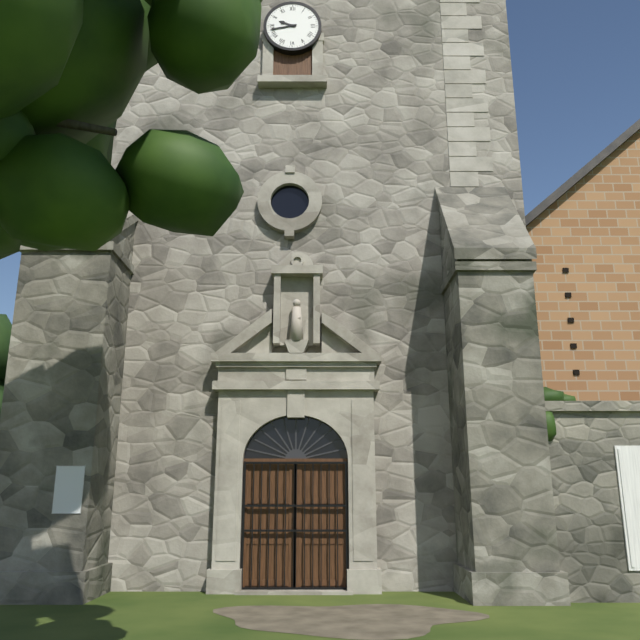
9:43
